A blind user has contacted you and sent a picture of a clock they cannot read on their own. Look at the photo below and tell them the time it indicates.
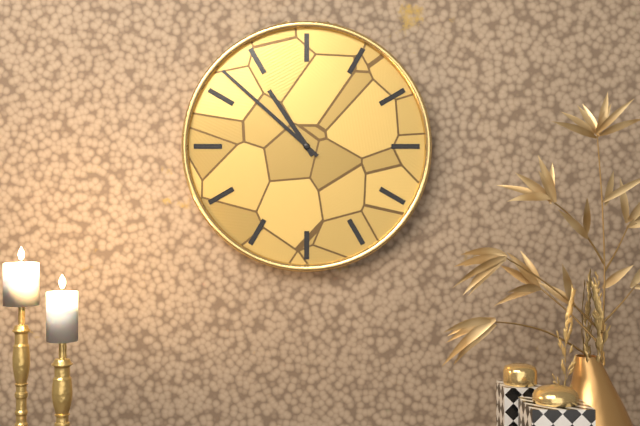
10:52
